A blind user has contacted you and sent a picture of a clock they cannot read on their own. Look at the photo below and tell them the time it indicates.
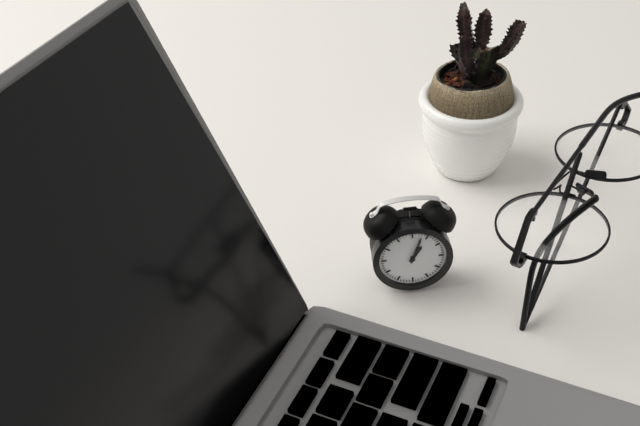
1:03
